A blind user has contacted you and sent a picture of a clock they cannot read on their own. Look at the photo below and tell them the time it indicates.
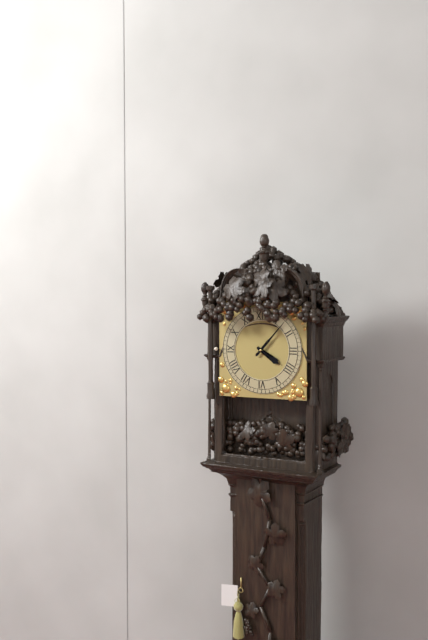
4:07
